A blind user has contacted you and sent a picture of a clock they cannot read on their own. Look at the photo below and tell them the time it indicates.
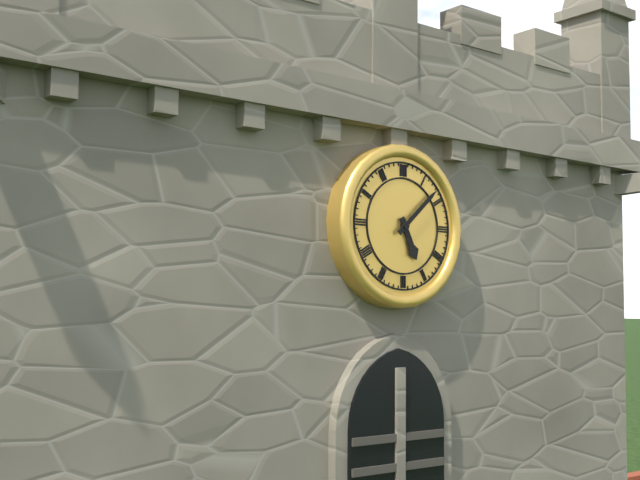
5:08
